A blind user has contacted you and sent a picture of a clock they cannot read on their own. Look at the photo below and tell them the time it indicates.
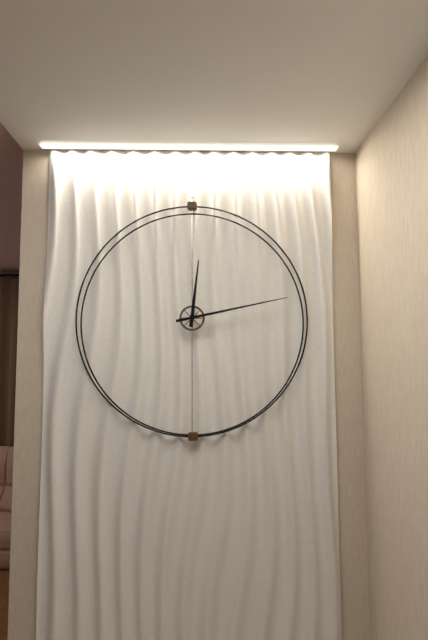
12:13
